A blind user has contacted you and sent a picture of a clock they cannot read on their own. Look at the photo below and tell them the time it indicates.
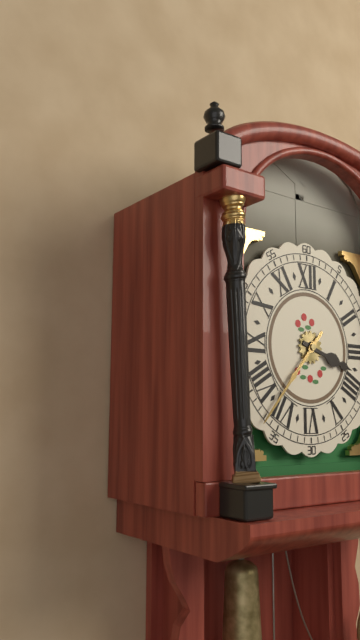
3:37
